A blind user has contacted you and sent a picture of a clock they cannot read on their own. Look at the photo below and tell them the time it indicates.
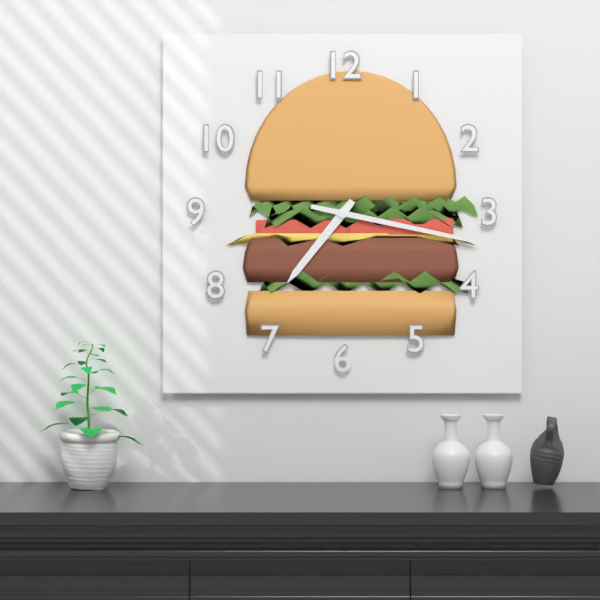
7:17
